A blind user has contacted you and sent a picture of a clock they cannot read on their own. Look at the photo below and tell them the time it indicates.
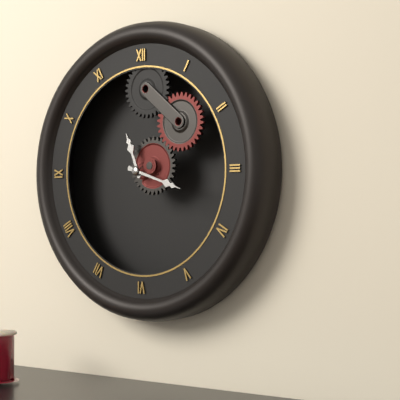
11:18
